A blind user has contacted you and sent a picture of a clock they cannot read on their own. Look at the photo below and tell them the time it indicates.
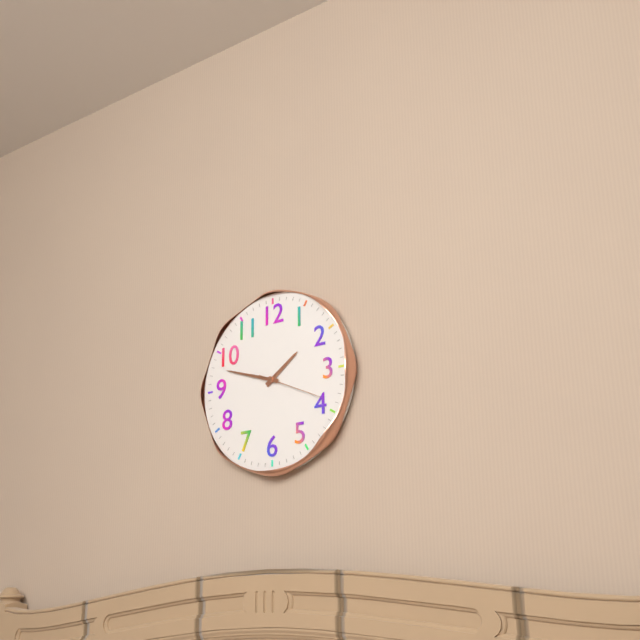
1:48:19
